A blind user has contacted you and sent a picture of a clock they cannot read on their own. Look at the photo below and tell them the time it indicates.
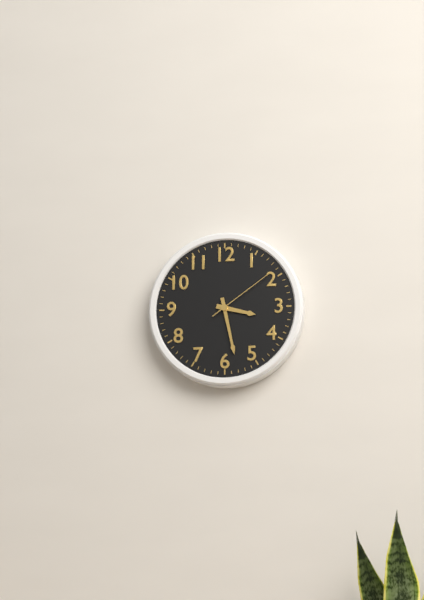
3:28:09
